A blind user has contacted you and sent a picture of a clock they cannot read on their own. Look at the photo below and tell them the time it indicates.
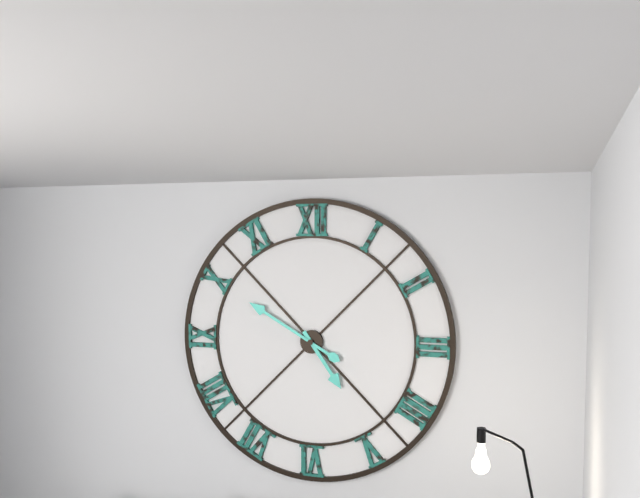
4:50
